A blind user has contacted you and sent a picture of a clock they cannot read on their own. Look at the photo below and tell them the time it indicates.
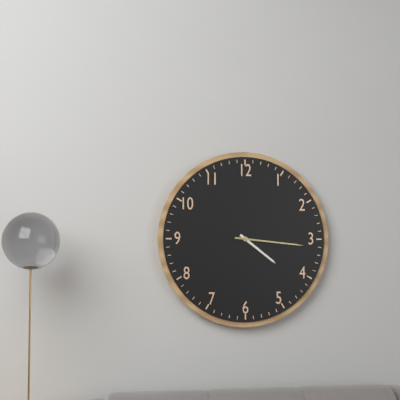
4:16
